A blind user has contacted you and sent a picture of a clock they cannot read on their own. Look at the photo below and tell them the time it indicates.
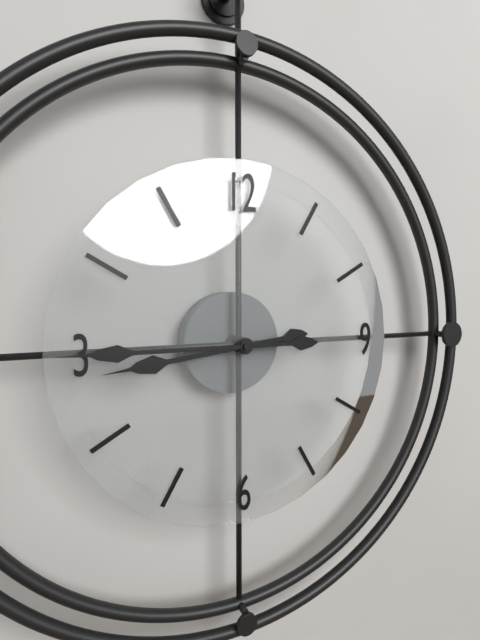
8:45
